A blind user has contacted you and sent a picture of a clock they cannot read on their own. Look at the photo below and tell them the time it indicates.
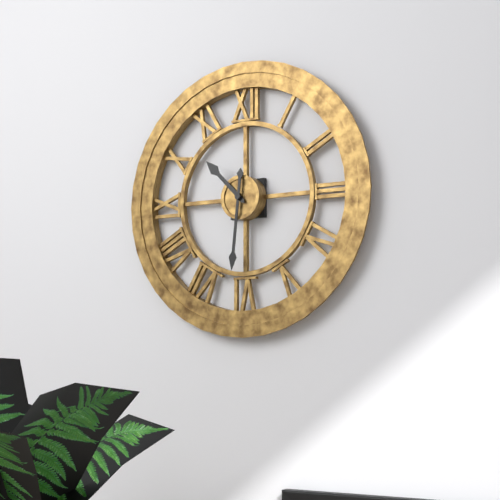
10:31
